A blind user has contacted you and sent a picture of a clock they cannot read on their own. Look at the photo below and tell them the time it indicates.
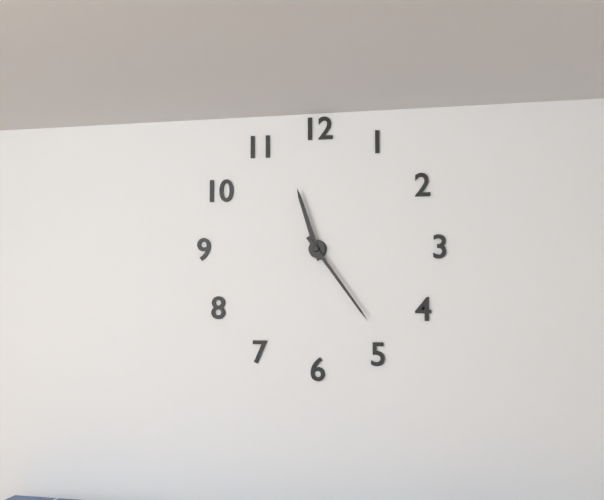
11:24
